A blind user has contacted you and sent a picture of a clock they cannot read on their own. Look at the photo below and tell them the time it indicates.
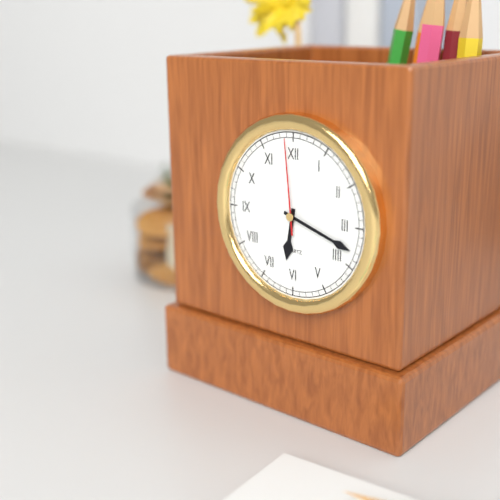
6:18:59
